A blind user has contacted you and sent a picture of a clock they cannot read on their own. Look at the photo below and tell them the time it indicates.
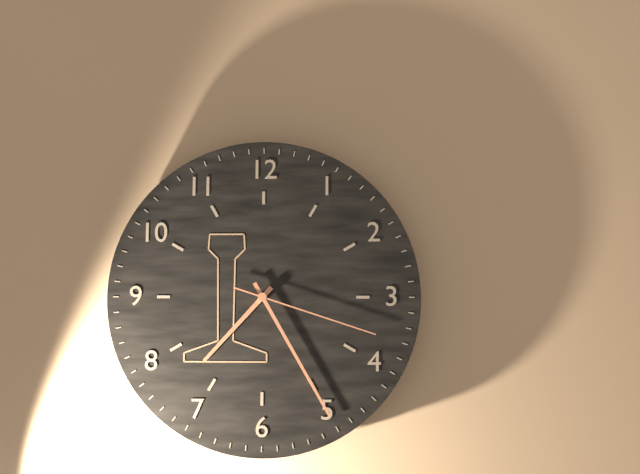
7:25:18
